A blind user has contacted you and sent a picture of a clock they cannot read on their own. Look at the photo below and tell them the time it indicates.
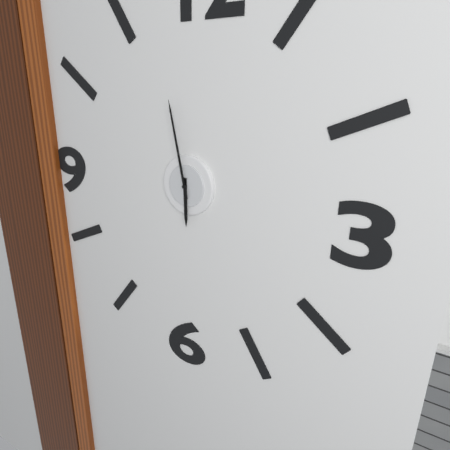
5:58
